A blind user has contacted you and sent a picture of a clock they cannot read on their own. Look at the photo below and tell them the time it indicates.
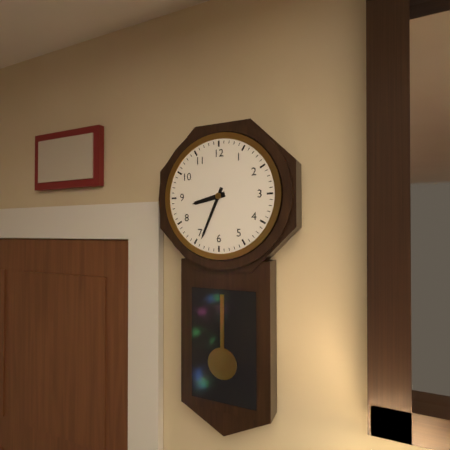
8:34
